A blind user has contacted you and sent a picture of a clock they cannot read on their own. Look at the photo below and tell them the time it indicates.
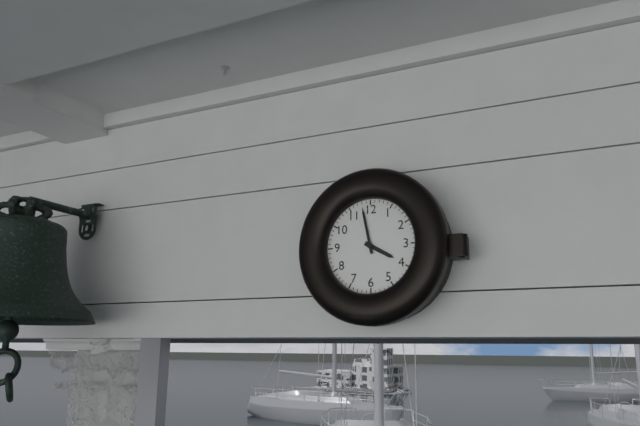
3:58
